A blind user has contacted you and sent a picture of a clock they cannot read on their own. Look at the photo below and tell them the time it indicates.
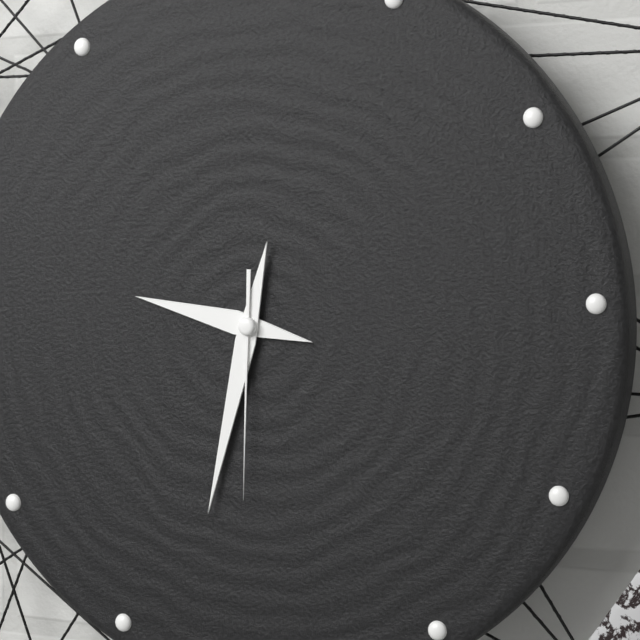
9:33:31
